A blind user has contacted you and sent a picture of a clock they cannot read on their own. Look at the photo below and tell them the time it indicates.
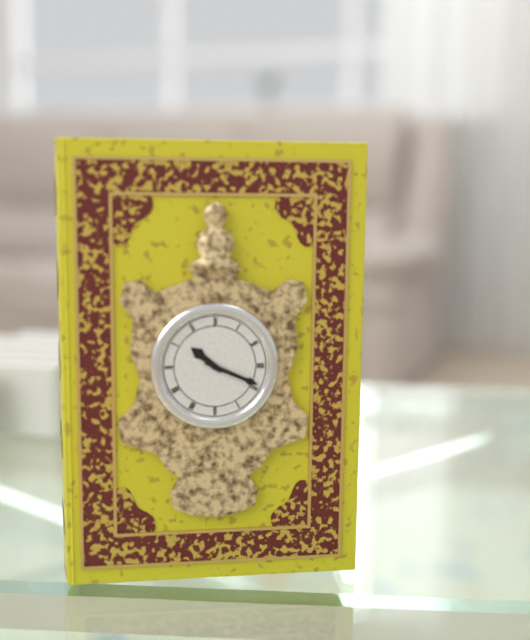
10:19
